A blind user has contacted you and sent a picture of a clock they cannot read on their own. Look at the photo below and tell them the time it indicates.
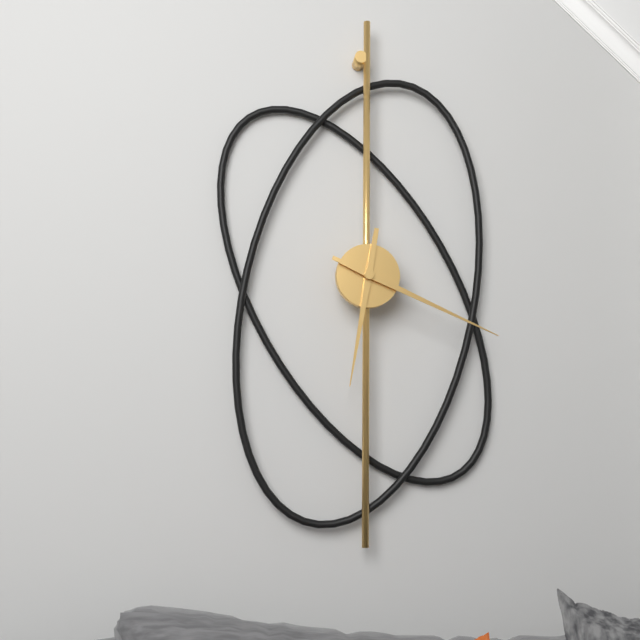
6:19
